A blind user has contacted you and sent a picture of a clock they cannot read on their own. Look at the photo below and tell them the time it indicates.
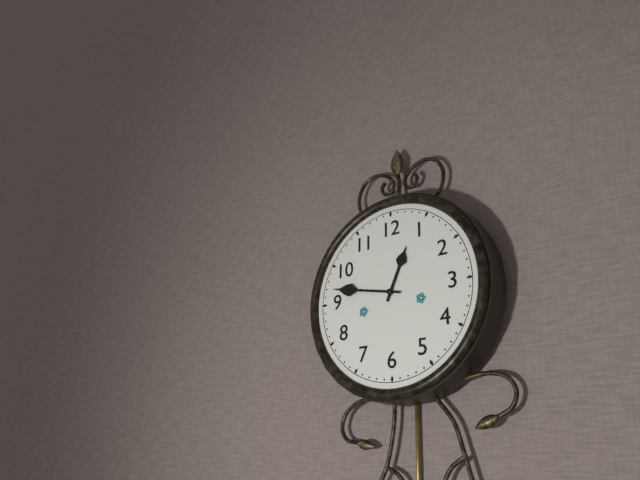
12:47
